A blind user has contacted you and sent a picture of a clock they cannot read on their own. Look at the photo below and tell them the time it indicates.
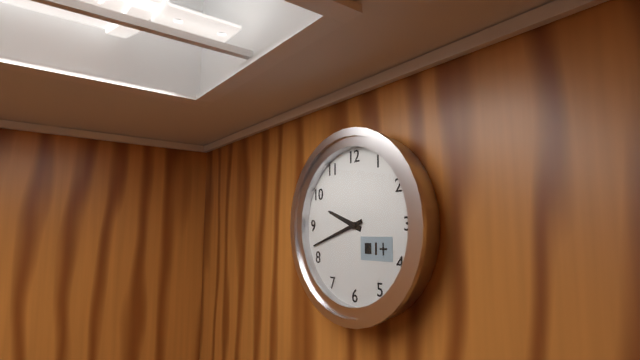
9:42
